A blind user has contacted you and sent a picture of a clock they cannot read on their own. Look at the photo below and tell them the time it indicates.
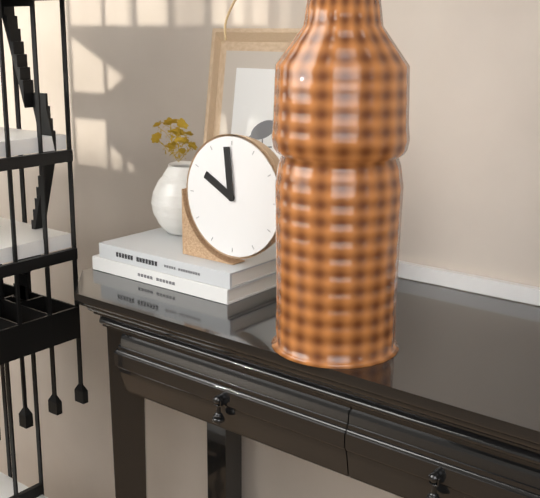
9:59
